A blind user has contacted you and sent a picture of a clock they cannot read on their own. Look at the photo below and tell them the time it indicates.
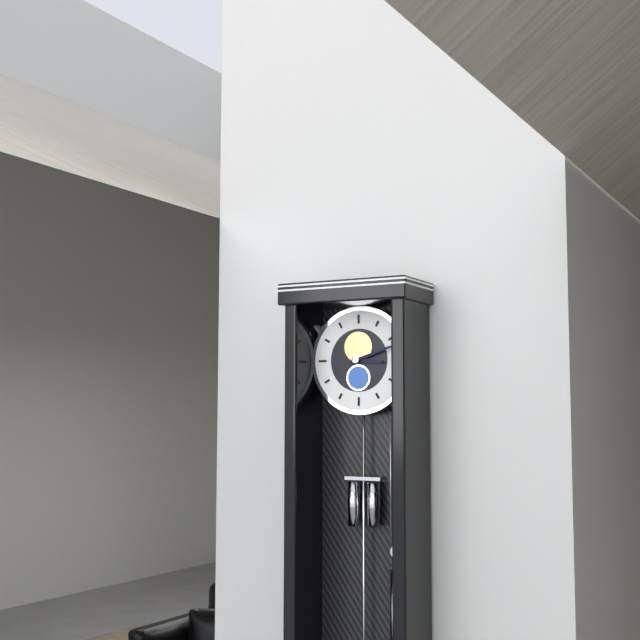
3:12
